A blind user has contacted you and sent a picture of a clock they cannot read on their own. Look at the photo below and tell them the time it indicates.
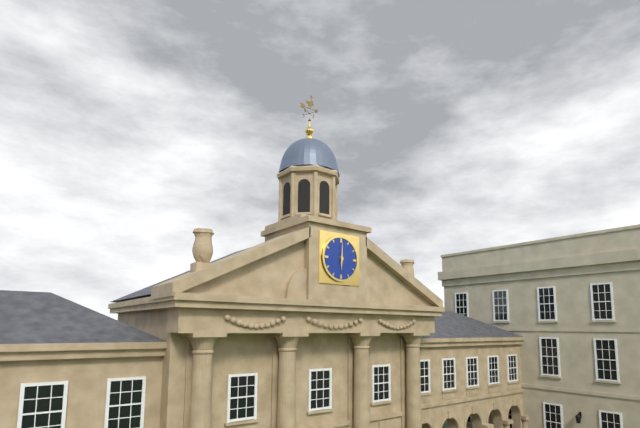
6:00
